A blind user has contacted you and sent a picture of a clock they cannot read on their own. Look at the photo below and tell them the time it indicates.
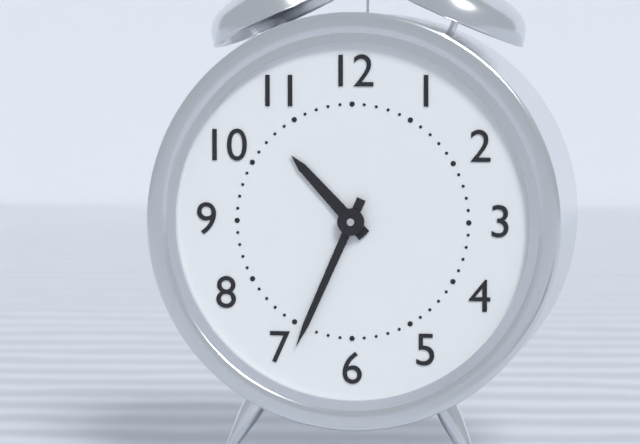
10:34
